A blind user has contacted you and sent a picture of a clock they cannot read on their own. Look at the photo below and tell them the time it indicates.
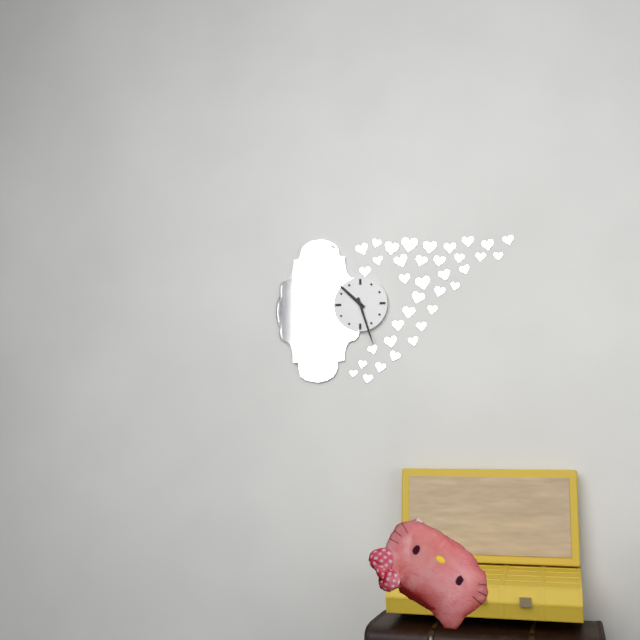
10:27
